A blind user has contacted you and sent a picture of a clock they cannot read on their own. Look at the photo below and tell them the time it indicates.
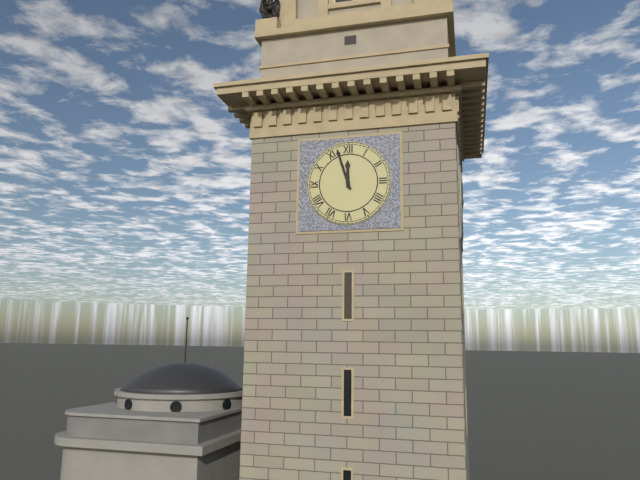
11:57
